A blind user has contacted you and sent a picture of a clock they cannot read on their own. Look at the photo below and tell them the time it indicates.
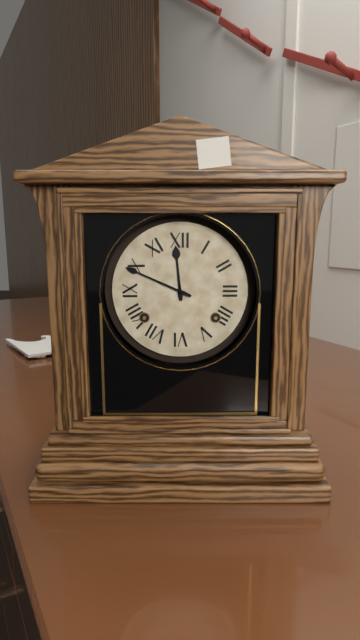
11:49
